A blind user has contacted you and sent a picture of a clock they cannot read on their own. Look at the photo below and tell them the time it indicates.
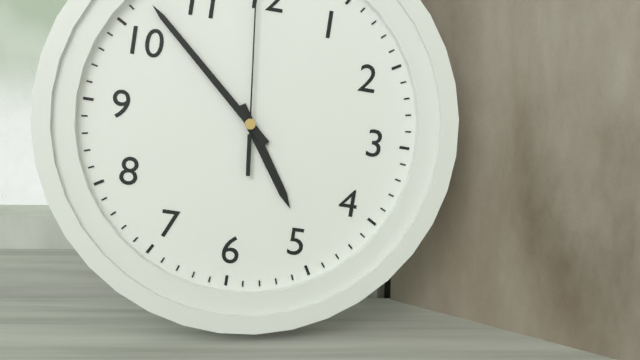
4:52
